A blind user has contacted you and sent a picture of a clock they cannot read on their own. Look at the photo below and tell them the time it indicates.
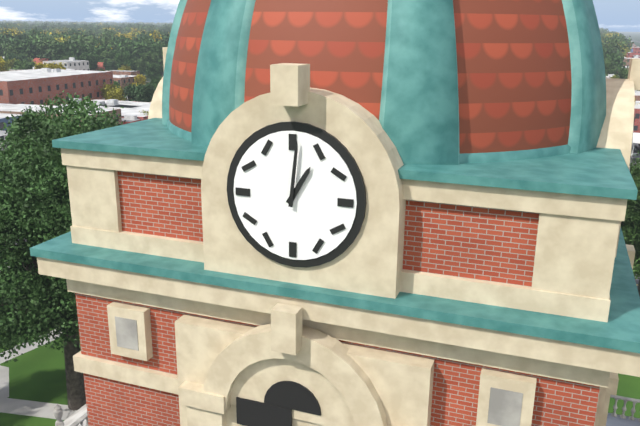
1:01
